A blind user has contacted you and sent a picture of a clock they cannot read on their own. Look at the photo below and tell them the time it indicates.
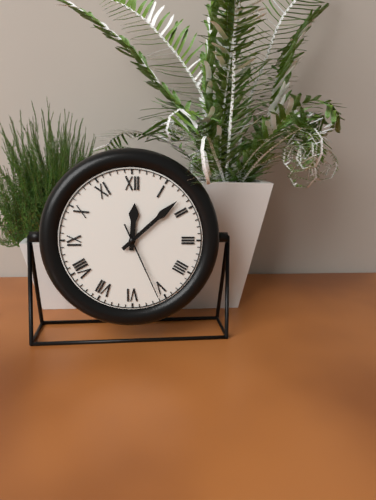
12:08:26
